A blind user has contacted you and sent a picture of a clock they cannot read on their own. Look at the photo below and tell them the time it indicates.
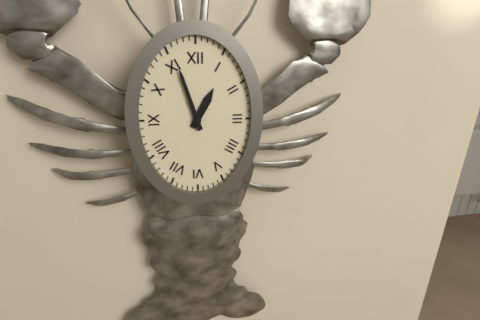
12:57
